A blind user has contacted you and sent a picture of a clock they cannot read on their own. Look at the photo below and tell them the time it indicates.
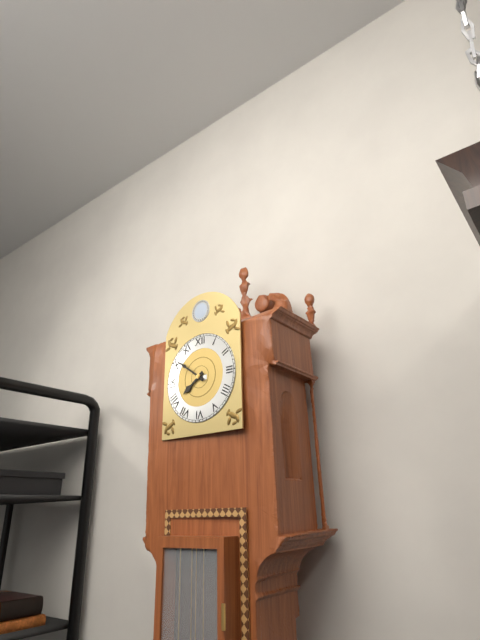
7:51
